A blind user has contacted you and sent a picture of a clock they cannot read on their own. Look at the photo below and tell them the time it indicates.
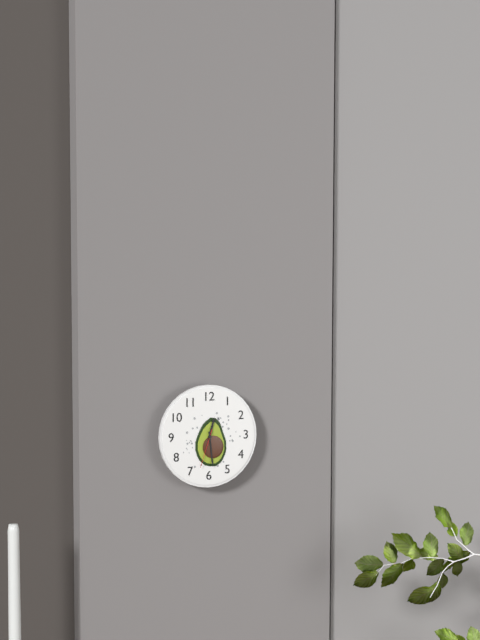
12:29
